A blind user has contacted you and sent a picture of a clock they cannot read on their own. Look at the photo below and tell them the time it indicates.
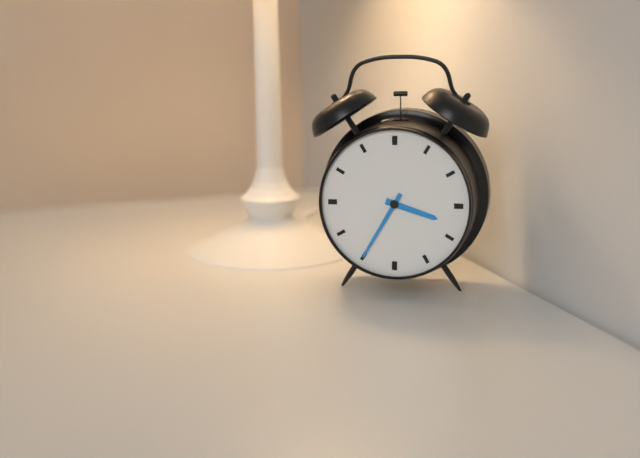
3:35
